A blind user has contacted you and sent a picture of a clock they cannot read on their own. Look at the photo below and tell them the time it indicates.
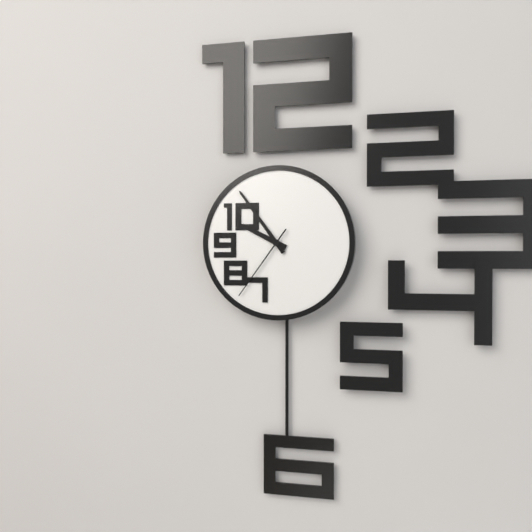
9:54:36
